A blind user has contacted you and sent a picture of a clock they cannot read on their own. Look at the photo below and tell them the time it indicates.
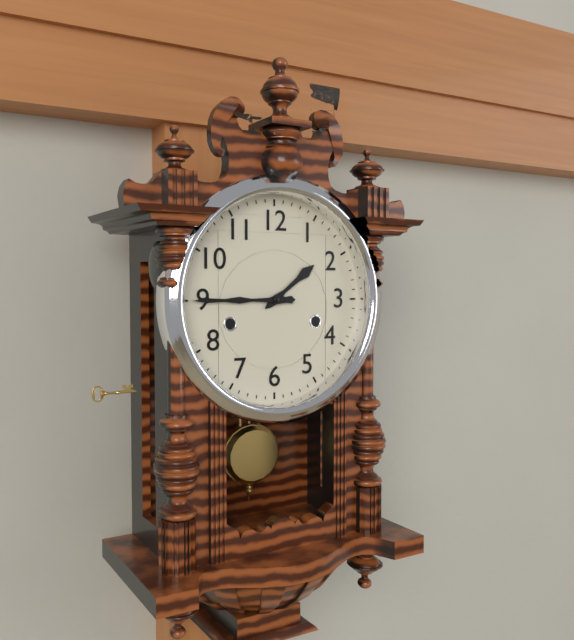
1:45
